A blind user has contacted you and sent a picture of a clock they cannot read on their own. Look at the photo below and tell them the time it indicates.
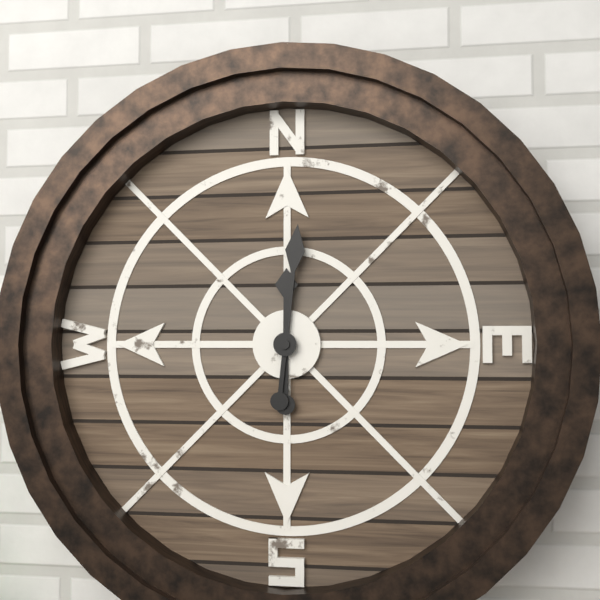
12:01
